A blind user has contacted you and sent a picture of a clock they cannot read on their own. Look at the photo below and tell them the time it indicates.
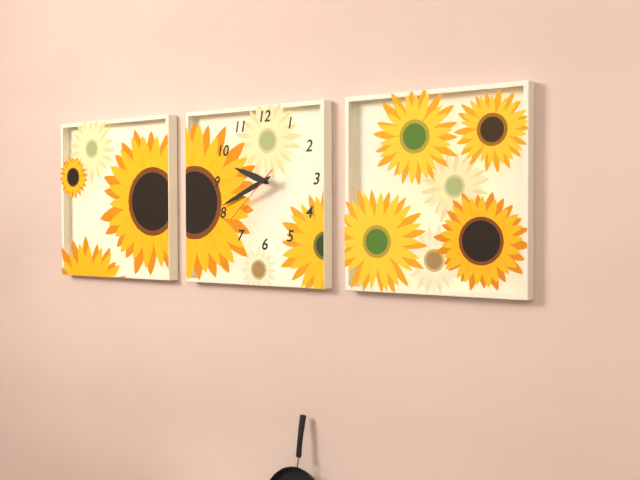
9:41:38
